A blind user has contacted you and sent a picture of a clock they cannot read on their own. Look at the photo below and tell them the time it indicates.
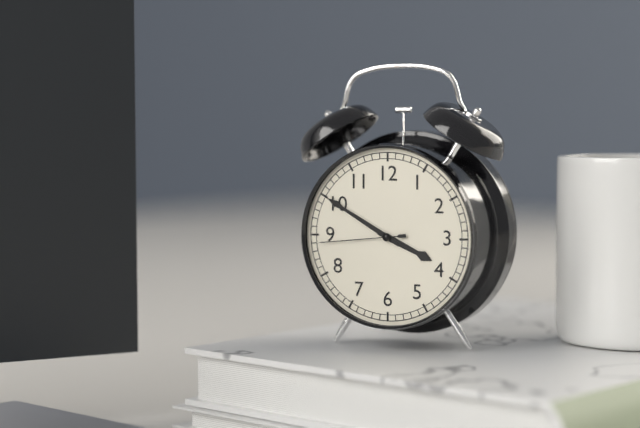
3:50:44
